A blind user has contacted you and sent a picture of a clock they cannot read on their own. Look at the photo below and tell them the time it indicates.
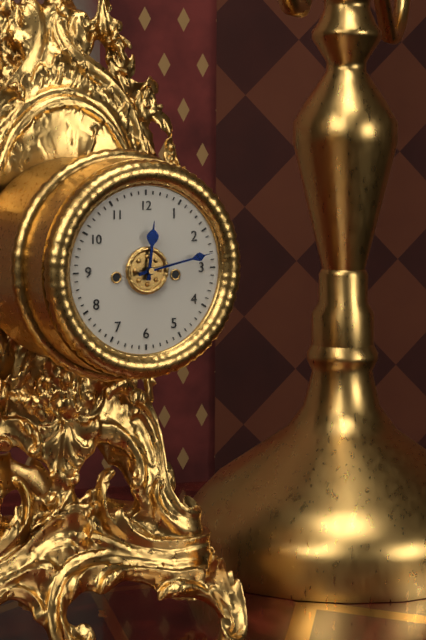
12:13
